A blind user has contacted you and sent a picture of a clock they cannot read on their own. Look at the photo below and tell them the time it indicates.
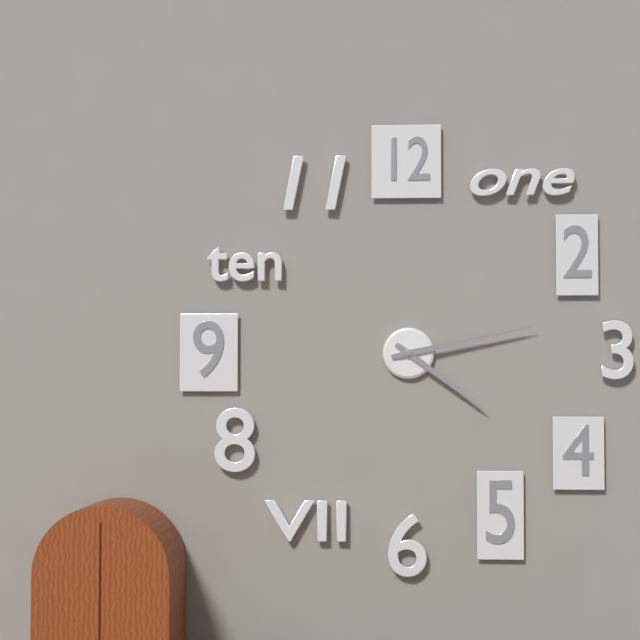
4:13
